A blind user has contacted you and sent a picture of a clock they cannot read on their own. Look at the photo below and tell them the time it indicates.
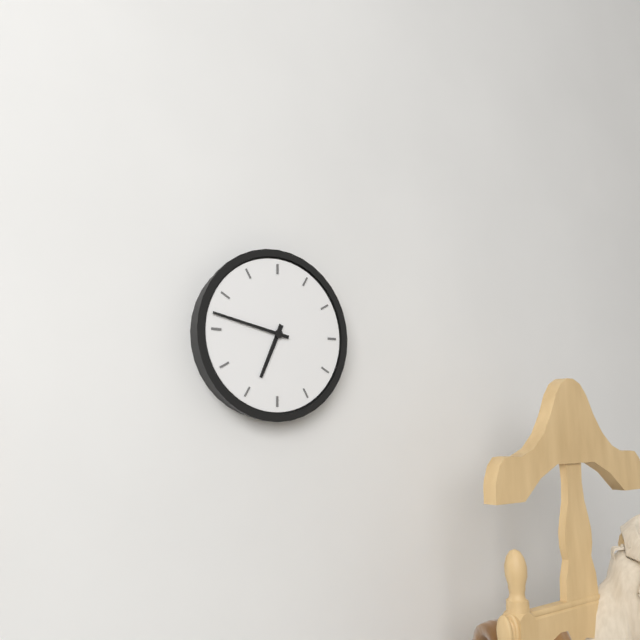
6:47
